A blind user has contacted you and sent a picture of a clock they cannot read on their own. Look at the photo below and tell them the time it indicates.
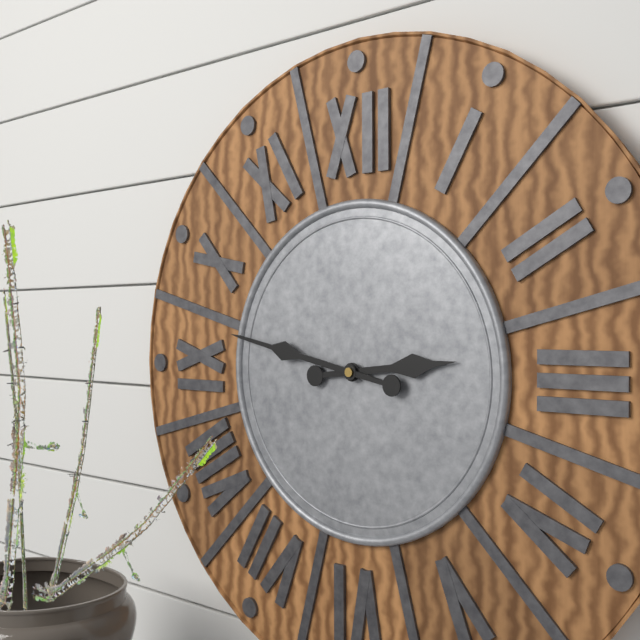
2:47
